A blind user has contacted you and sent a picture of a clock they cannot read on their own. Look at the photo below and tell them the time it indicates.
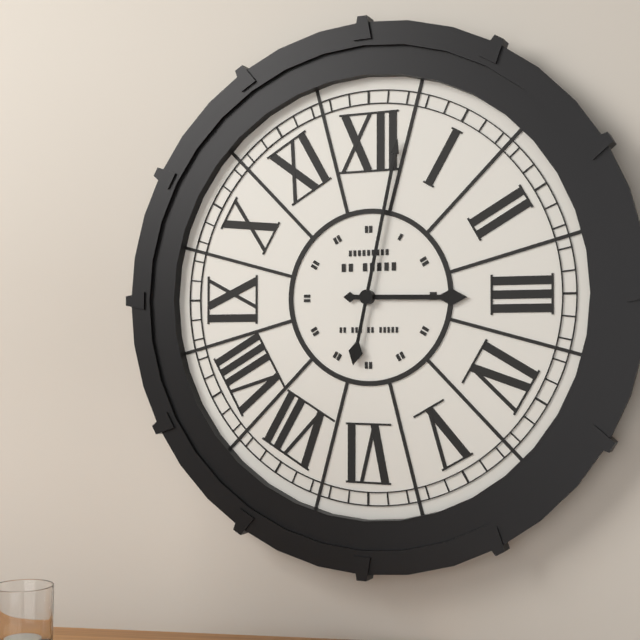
3:02
